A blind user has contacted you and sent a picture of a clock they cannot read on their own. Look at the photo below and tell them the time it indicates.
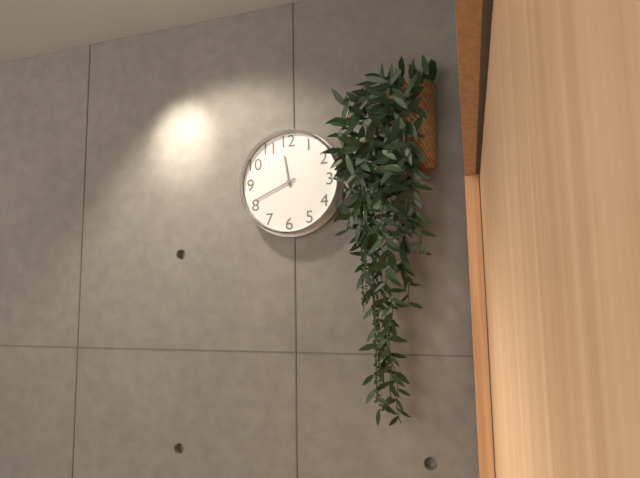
11:41
